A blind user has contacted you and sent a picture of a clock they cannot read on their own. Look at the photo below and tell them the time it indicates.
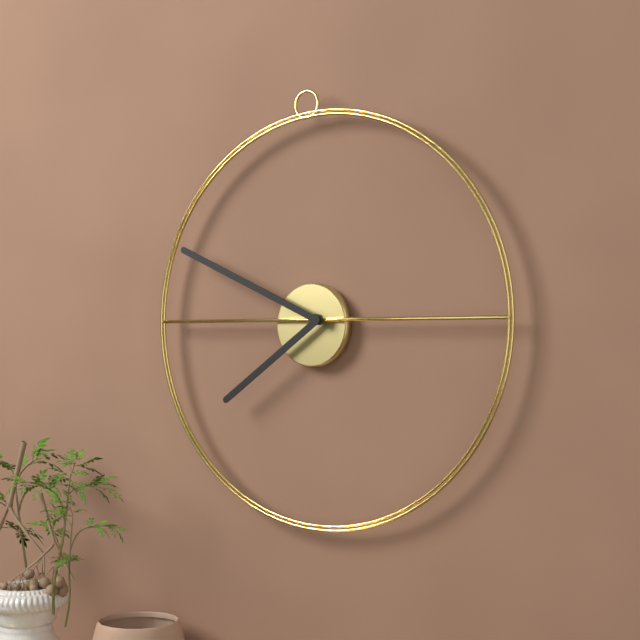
7:49
